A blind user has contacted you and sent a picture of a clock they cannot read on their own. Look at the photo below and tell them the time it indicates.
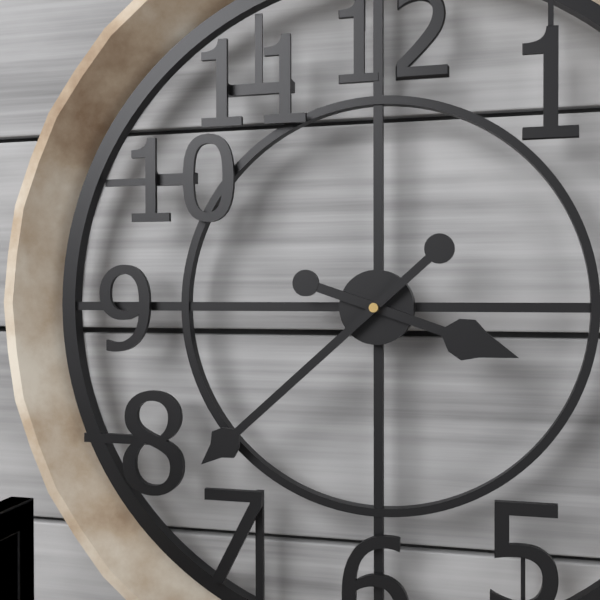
3:38
